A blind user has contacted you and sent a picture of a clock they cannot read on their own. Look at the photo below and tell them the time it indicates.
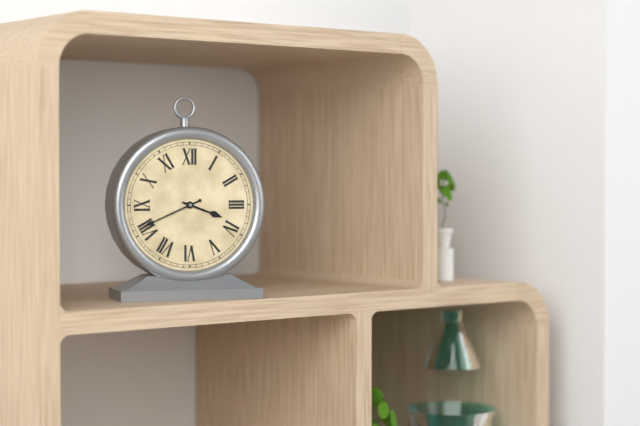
3:41
